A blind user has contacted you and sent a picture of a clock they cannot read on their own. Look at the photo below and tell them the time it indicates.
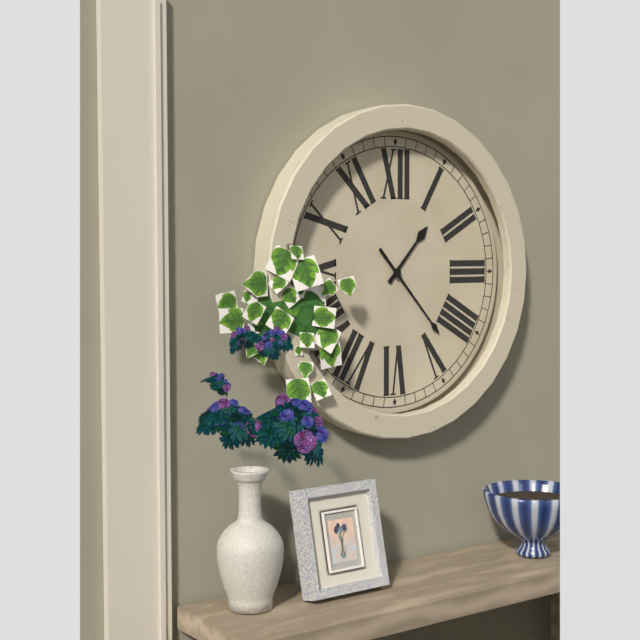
1:23
